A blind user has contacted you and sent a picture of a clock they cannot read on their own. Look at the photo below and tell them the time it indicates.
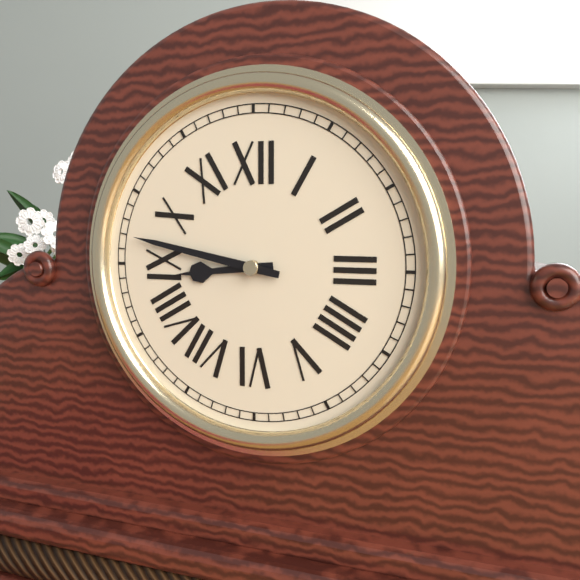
8:47
